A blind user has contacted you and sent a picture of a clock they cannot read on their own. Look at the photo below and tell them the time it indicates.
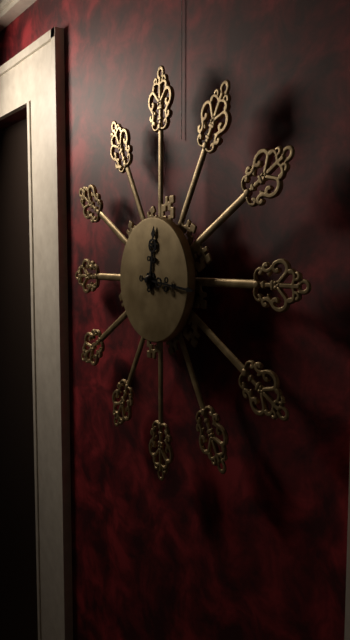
12:16
